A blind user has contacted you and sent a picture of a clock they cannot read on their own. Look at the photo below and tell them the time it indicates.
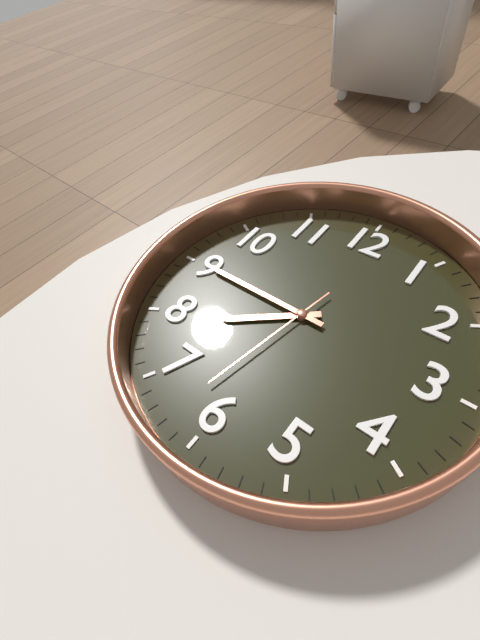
7:45:32
